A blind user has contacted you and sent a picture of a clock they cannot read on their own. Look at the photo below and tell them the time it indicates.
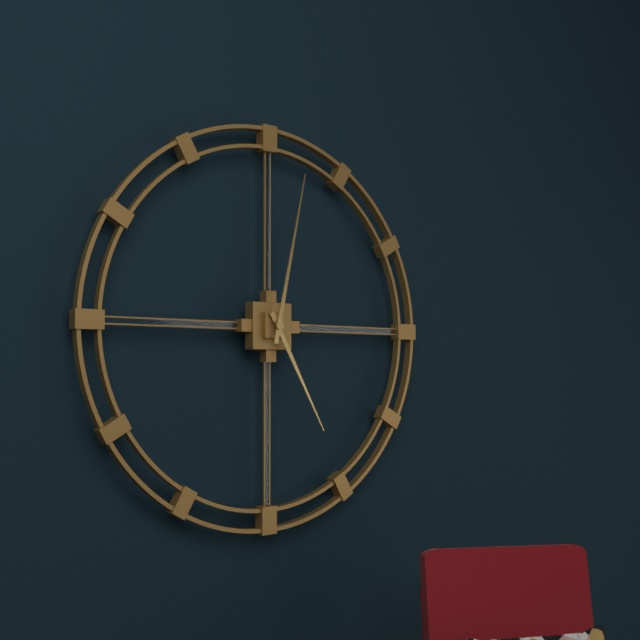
5:02
